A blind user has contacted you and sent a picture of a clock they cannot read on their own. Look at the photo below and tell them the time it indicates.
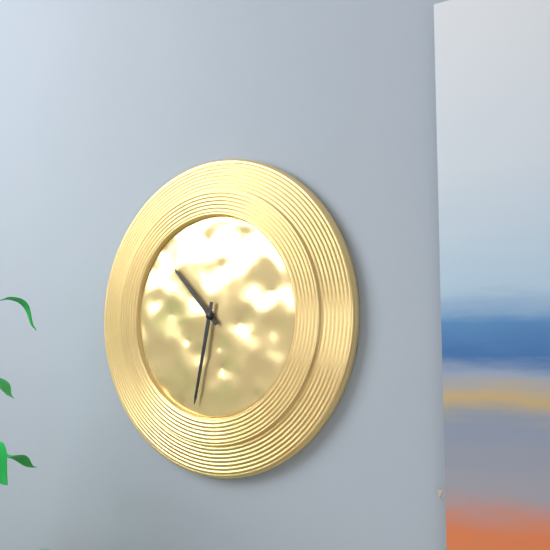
10:32
